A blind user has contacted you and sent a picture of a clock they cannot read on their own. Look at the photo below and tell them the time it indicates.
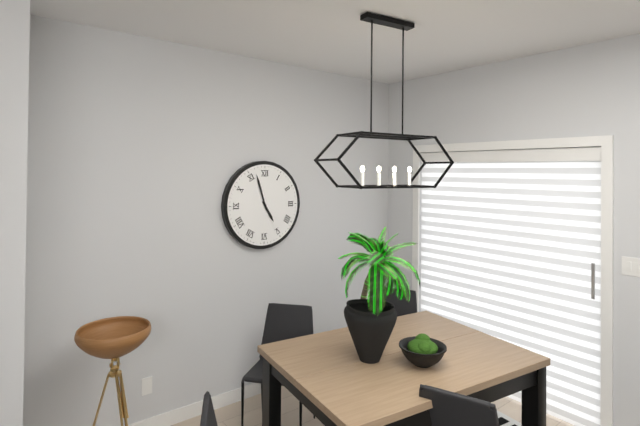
4:57
